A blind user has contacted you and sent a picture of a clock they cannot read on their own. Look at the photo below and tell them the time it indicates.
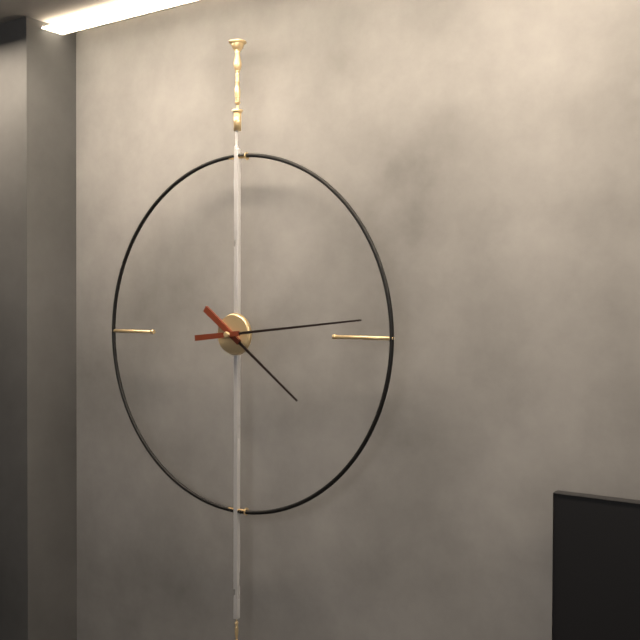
4:14
